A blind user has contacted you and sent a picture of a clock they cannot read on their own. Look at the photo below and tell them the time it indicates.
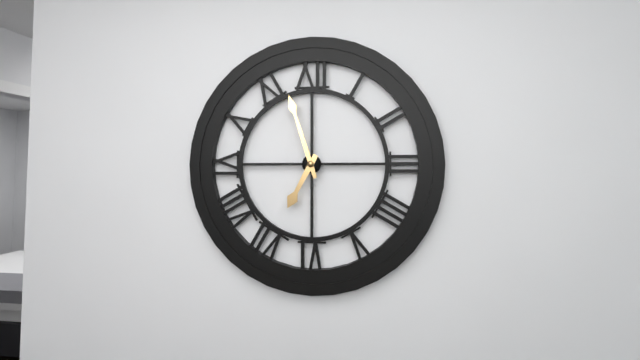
6:57
